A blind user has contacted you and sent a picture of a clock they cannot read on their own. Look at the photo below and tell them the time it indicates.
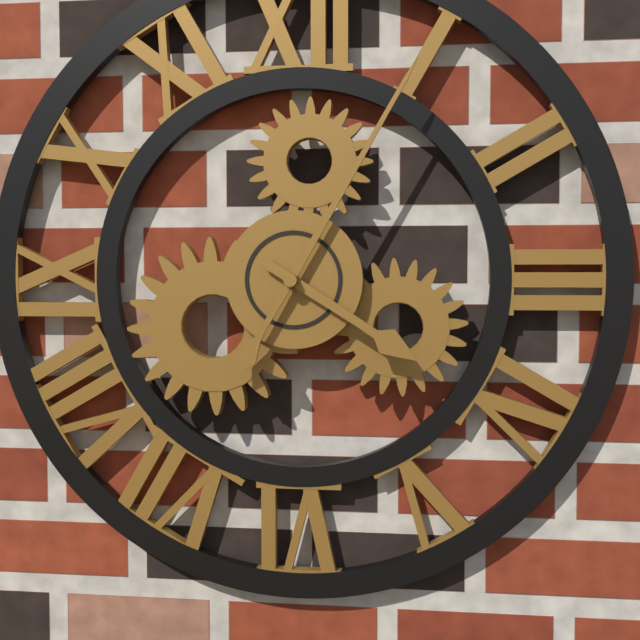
4:05
